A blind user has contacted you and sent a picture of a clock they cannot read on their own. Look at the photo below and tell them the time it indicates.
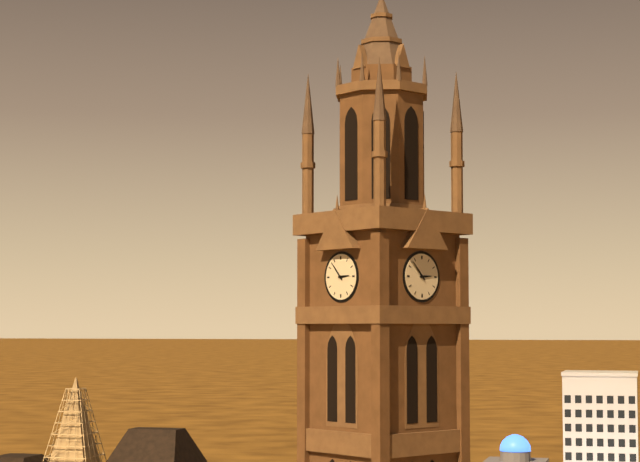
2:53
